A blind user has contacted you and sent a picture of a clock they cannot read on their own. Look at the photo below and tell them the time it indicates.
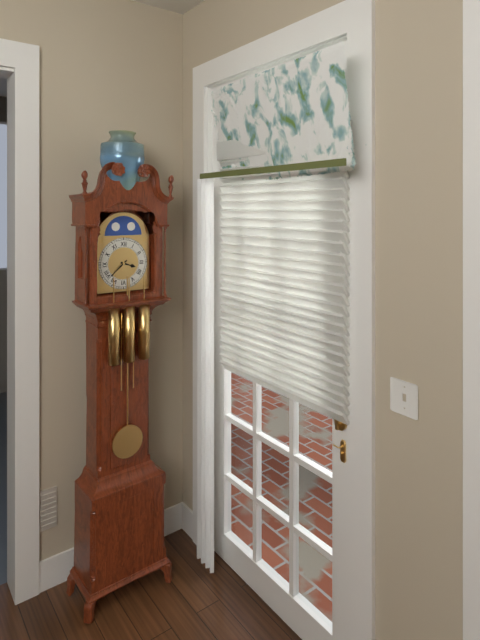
3:38
